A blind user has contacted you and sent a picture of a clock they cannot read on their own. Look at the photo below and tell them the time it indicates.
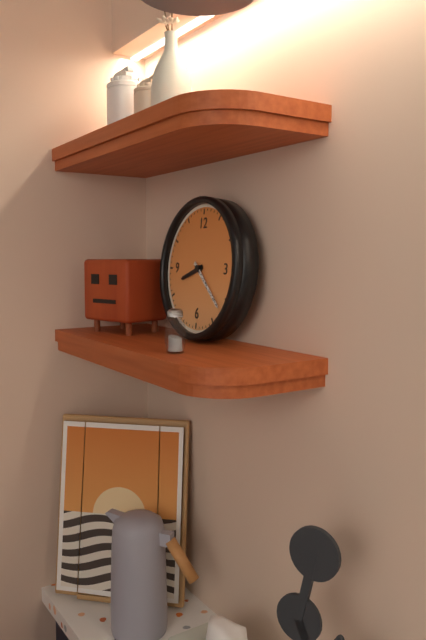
8:22
